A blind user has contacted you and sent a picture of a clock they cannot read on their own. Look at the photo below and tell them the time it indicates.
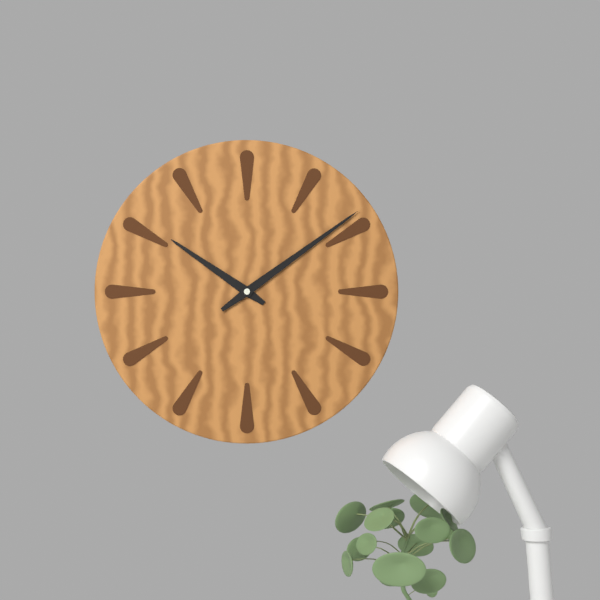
10:09
